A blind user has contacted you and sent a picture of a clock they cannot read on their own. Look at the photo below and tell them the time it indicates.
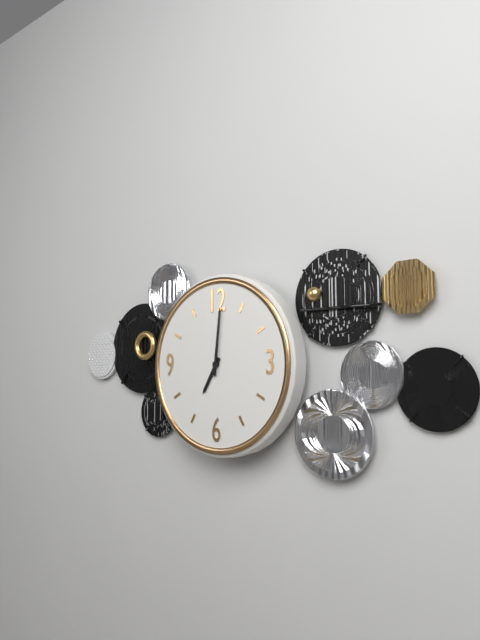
7:01
